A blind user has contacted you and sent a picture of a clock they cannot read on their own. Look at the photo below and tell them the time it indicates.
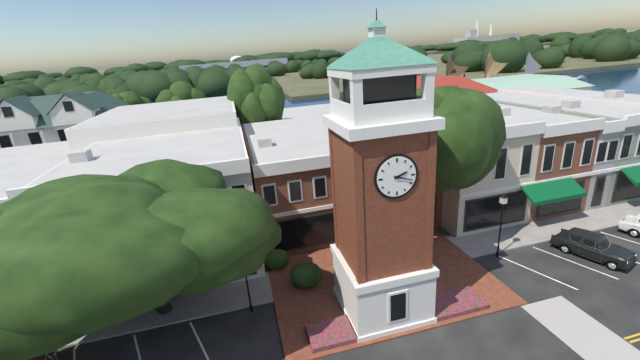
2:18
